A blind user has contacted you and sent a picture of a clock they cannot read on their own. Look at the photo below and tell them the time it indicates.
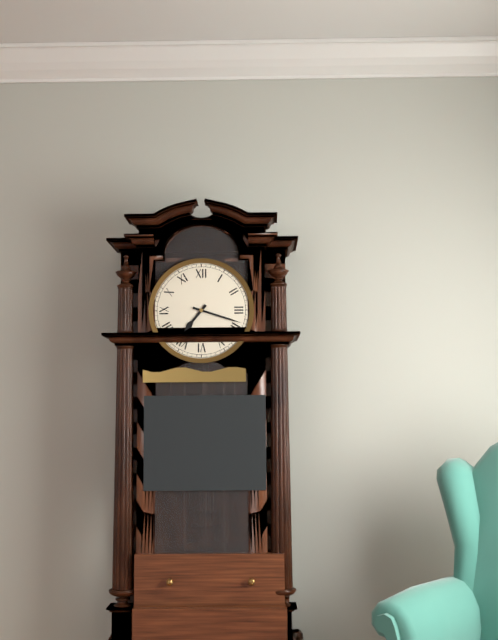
7:18
